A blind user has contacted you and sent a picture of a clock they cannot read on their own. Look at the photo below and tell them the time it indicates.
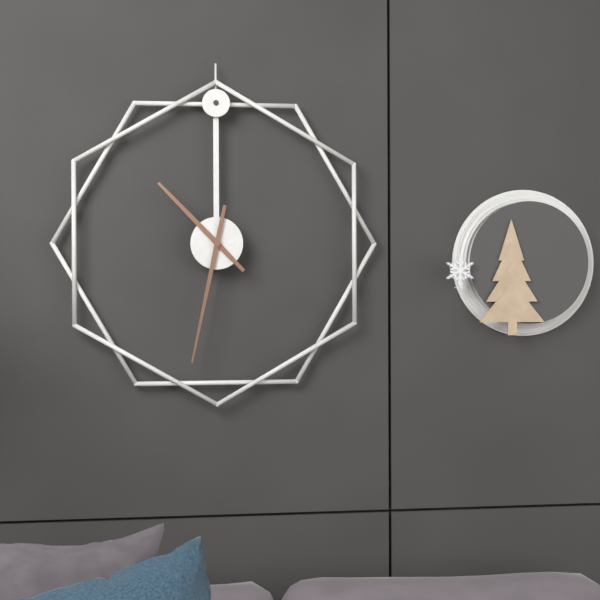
10:32
